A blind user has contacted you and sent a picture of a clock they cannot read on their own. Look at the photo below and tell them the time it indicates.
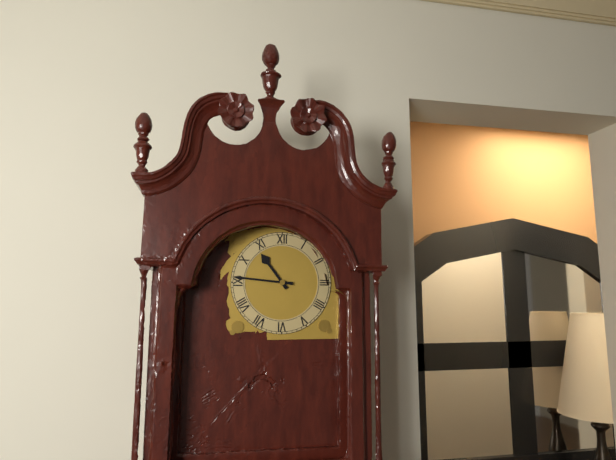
10:46
